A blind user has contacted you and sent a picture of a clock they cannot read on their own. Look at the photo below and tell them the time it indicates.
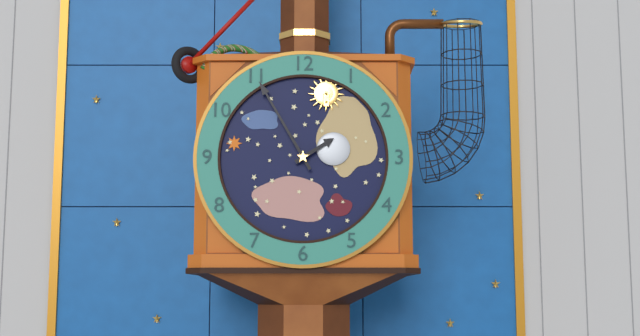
1:55
